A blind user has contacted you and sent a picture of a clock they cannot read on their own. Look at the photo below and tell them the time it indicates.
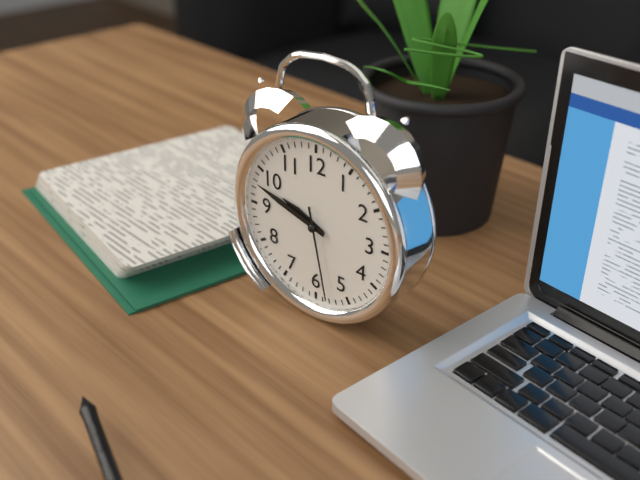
9:48:28
